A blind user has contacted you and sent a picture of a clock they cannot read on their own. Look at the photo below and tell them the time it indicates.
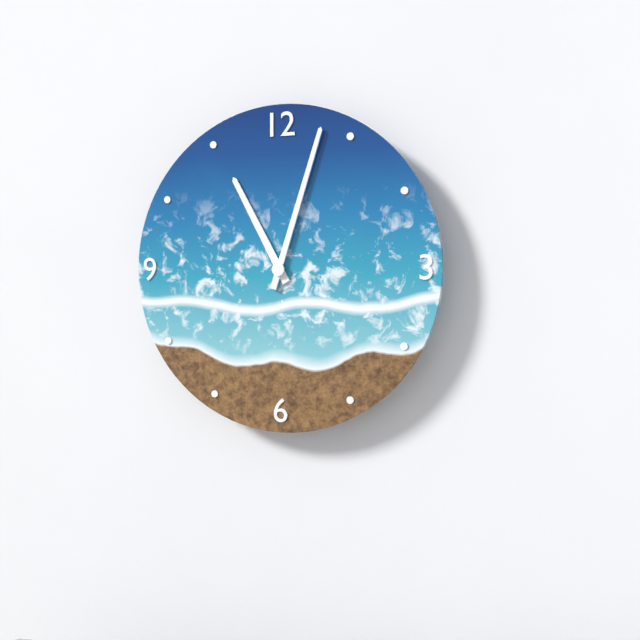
11:03
